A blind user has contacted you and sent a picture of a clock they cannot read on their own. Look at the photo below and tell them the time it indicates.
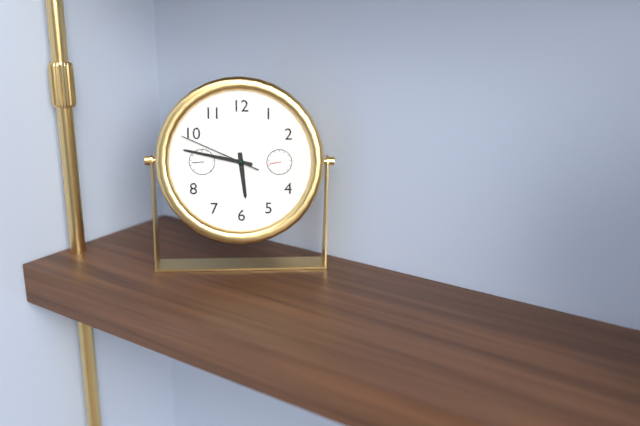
5:47:49
